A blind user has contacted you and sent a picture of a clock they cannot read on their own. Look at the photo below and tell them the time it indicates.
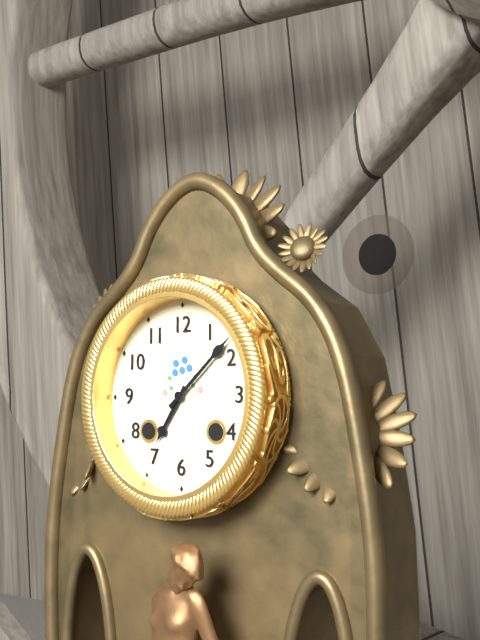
7:08
